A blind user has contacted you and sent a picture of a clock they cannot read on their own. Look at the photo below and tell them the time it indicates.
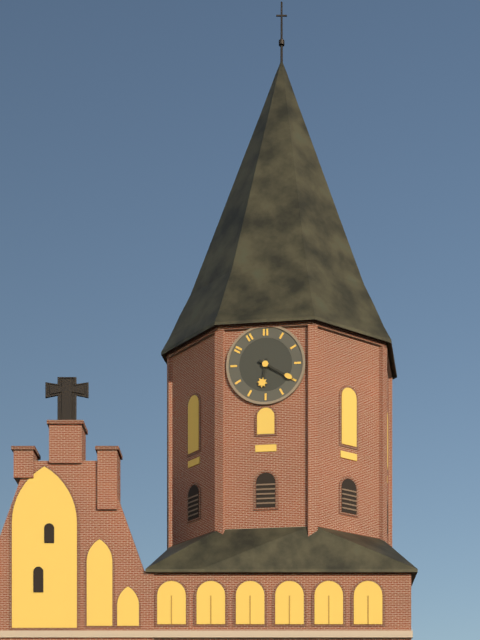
6:20
